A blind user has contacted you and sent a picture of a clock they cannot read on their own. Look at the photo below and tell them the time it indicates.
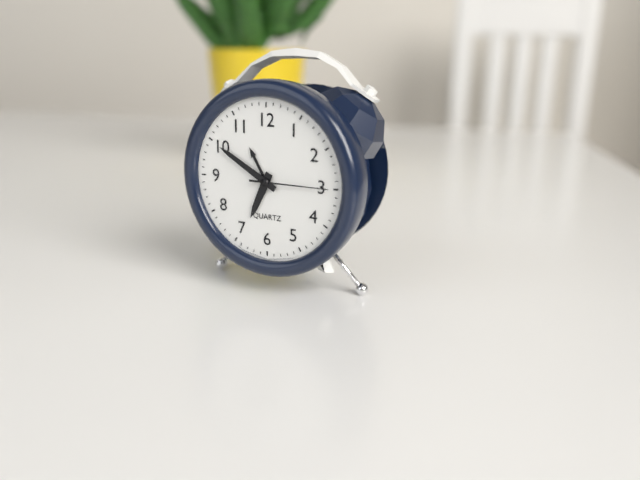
6:50:15
